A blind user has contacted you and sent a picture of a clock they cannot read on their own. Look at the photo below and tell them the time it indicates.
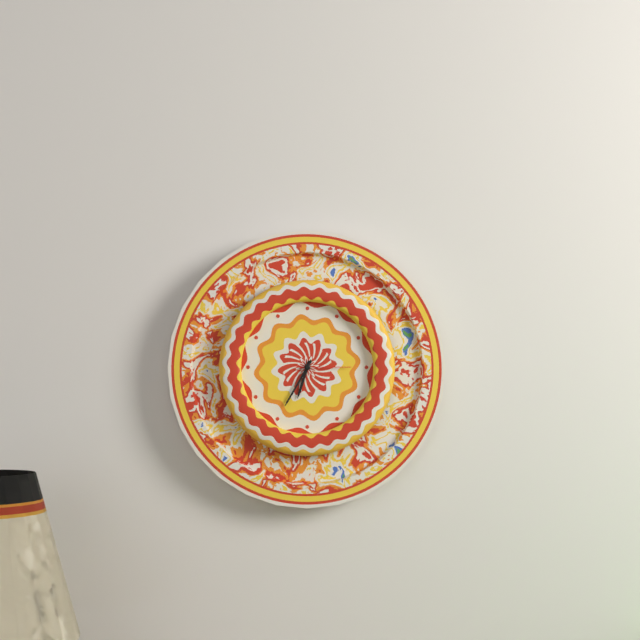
6:35:15
